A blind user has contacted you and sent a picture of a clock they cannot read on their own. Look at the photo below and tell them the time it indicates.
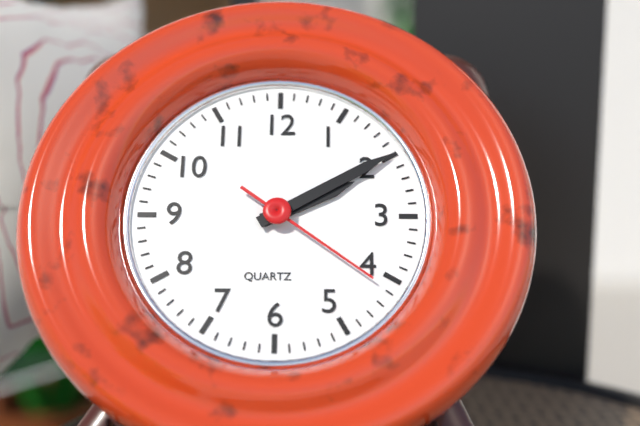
2:10:21
